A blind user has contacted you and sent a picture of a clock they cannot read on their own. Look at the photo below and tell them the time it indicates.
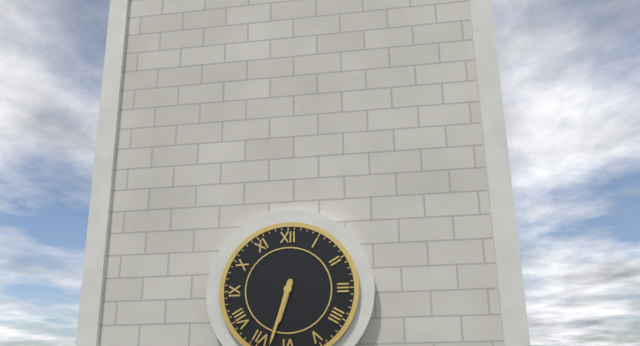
6:33
